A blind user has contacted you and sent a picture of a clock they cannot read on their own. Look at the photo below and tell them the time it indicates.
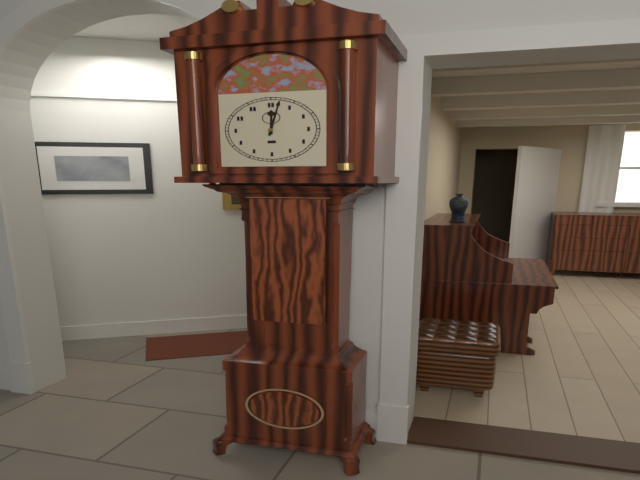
12:02
